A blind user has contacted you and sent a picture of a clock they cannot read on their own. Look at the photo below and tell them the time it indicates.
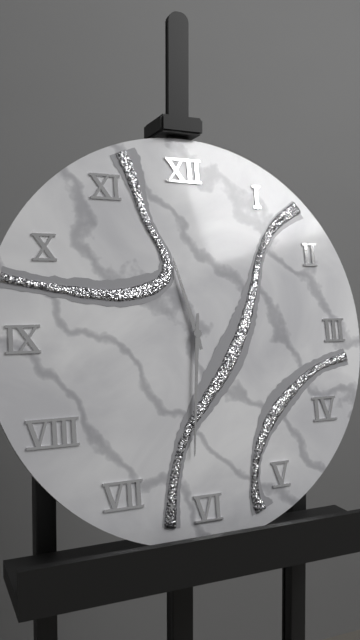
11:31
